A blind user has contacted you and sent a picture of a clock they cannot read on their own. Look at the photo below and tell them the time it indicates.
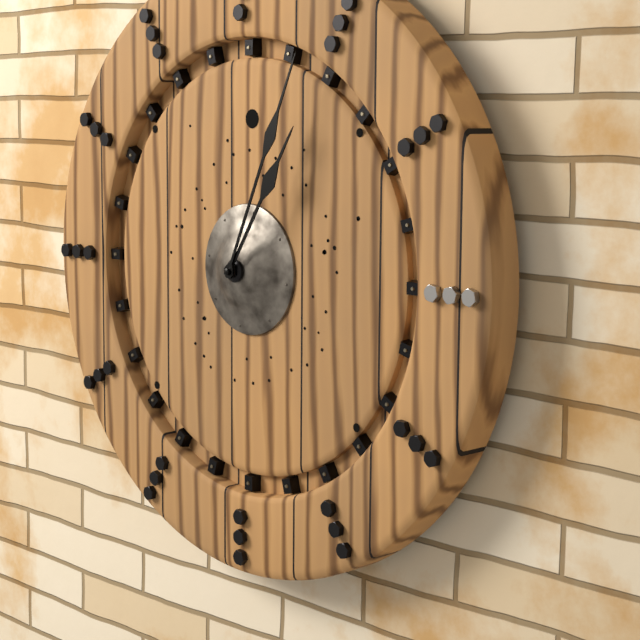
1:04
